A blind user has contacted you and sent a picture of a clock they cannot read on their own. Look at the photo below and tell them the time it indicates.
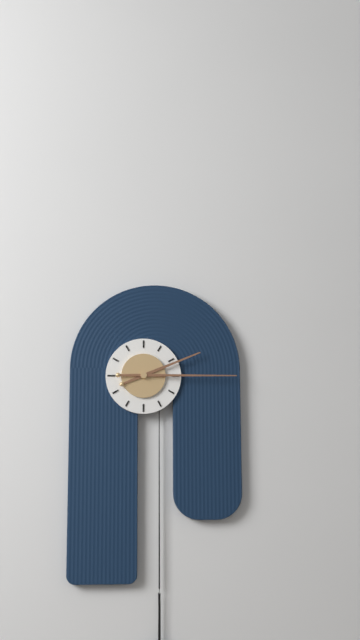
2:15
